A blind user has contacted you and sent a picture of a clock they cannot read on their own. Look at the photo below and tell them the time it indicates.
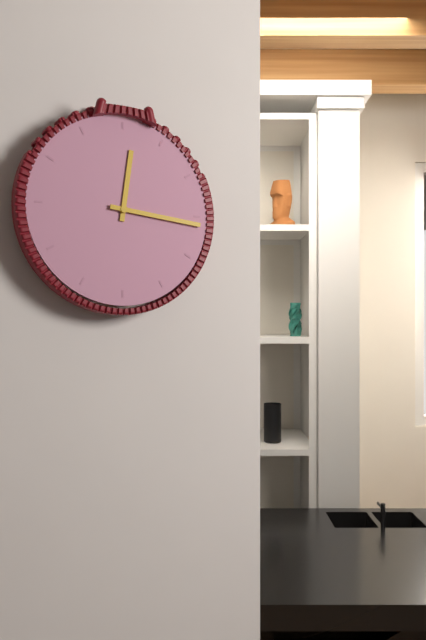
12:16
